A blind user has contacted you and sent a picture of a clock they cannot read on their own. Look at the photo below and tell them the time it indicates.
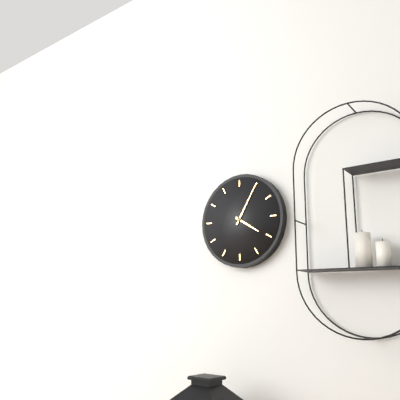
4:05
